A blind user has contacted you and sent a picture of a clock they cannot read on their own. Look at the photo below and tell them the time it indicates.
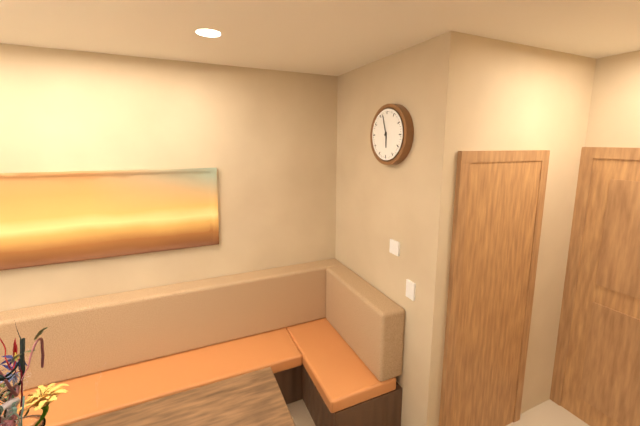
5:57
